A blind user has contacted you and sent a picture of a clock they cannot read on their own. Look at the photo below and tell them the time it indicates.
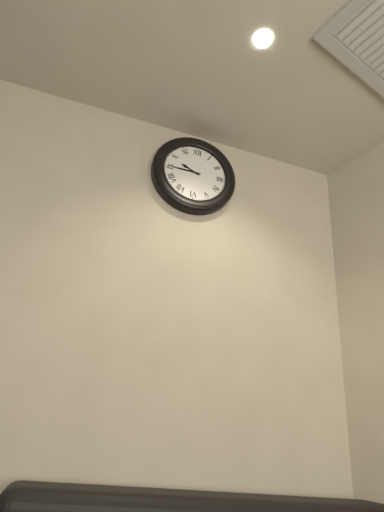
9:45
